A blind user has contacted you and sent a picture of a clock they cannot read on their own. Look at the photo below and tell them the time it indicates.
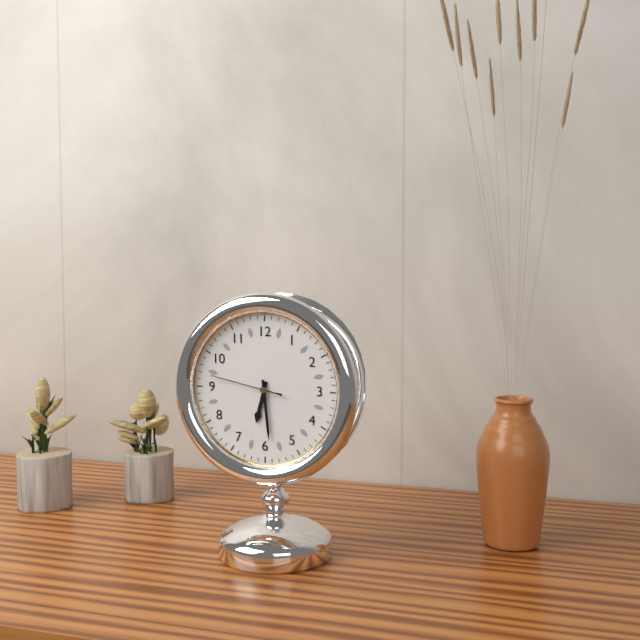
6:29:47
